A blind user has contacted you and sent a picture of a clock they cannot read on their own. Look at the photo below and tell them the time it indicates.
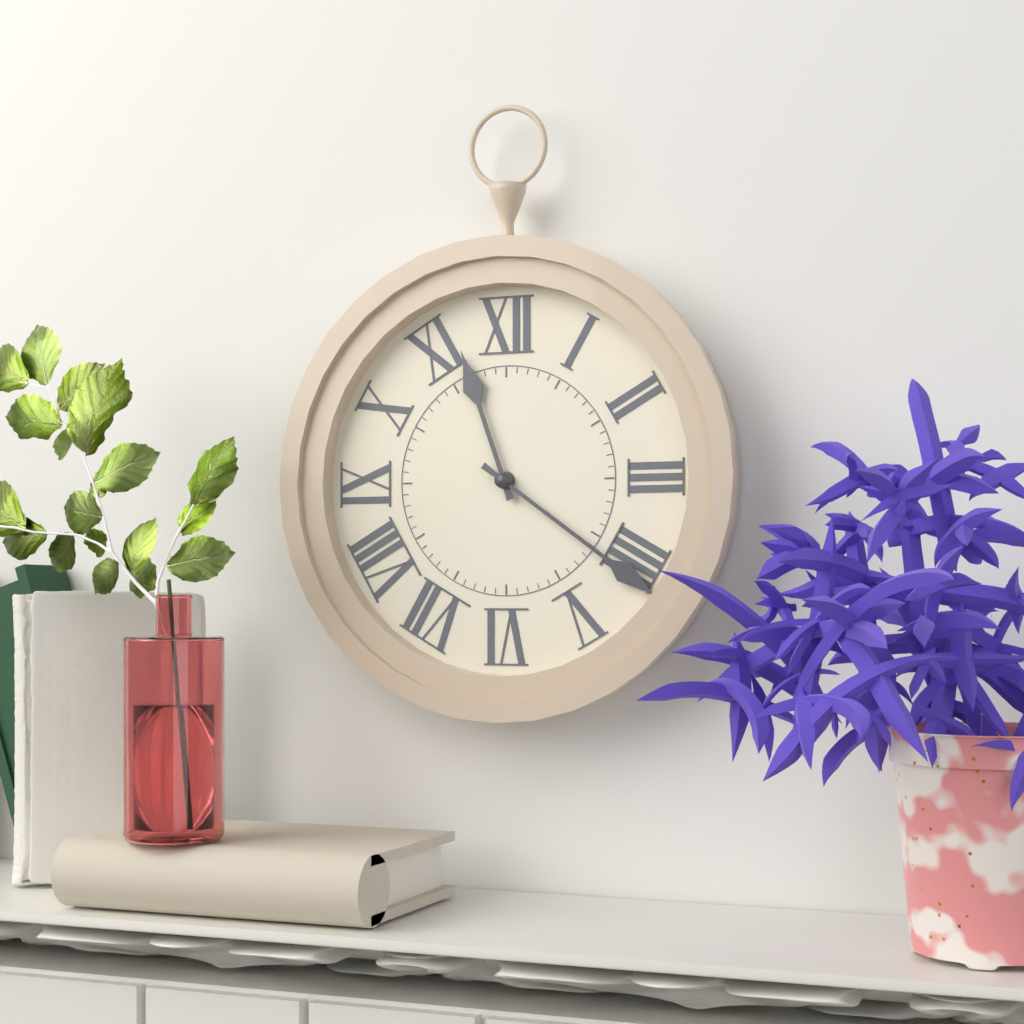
11:21
